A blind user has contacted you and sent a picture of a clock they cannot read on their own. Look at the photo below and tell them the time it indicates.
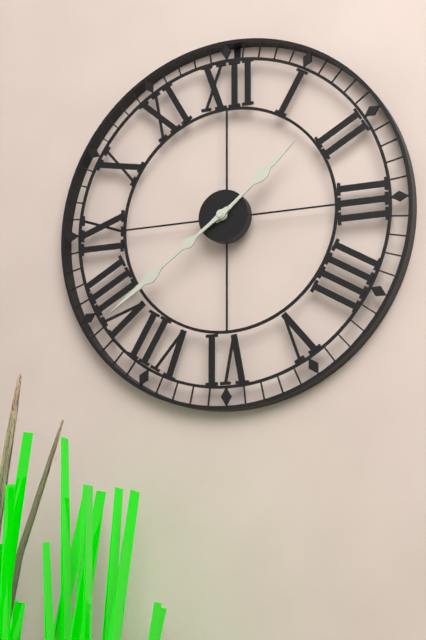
1:39
